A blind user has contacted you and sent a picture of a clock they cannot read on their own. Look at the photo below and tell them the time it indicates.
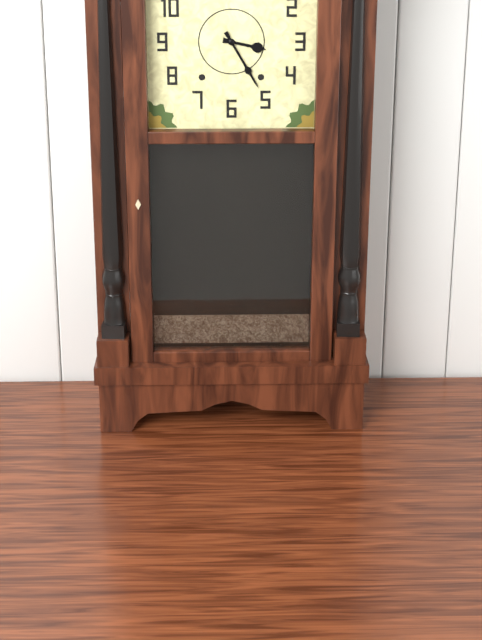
3:25
